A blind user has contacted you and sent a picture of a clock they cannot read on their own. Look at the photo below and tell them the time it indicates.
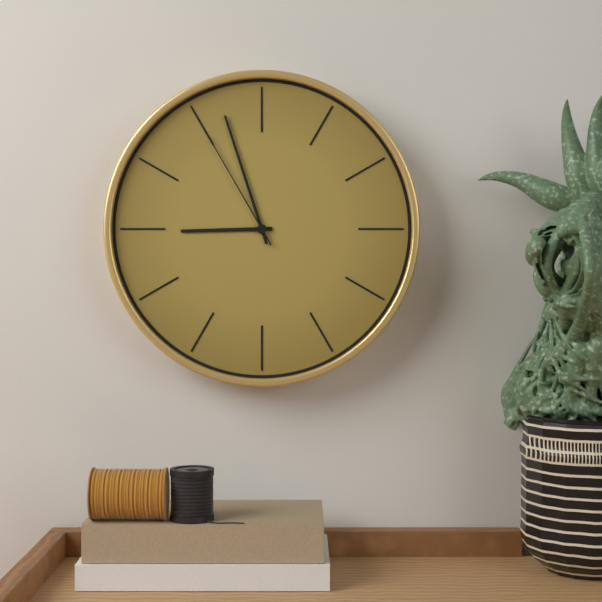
8:57:55
